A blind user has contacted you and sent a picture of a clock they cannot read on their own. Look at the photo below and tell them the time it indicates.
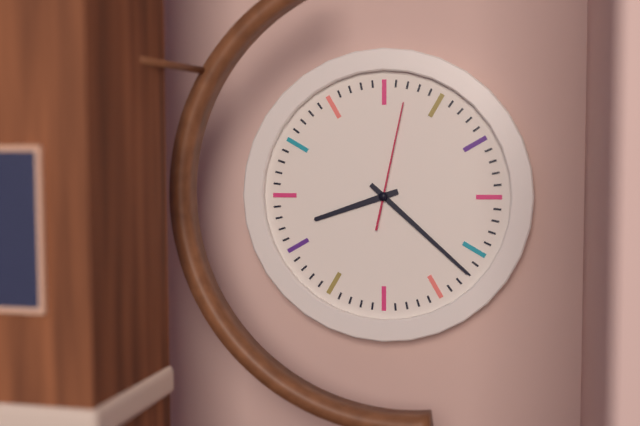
8:22:02
